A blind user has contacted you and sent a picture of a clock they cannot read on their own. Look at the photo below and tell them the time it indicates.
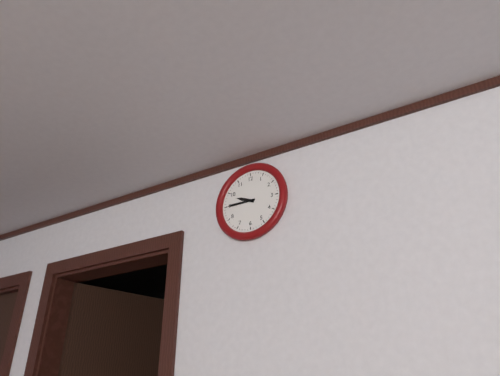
9:45
